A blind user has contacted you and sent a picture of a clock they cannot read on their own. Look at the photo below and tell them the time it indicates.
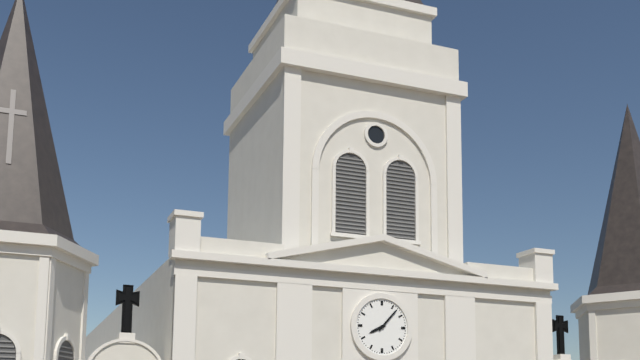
8:07
